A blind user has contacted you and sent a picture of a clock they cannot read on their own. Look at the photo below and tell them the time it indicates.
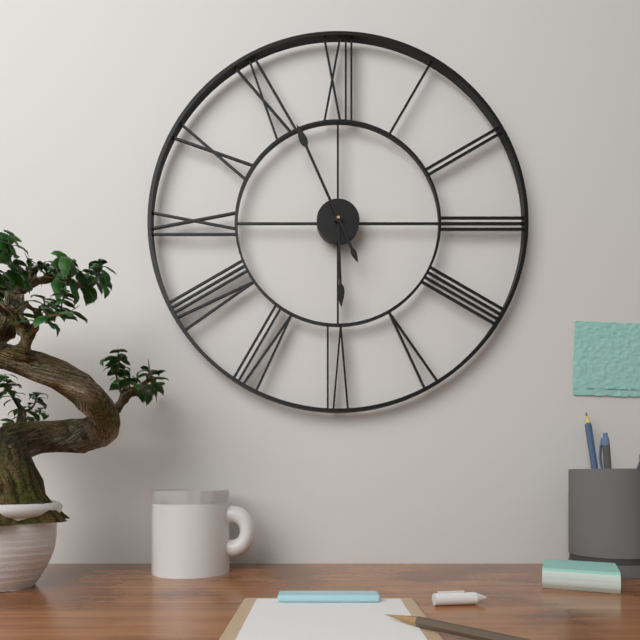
5:56
